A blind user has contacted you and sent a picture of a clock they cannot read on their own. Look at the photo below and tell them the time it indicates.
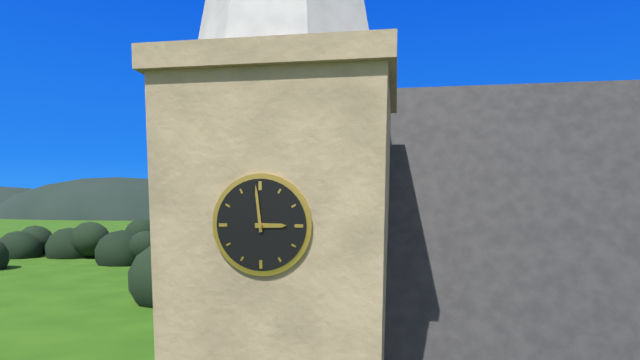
2:59
